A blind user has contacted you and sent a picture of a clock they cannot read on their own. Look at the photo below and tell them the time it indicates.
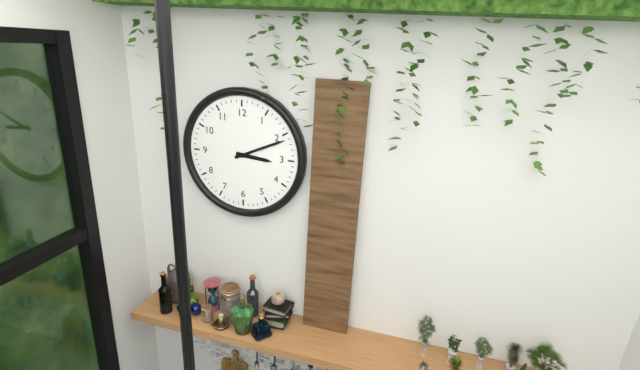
3:11
